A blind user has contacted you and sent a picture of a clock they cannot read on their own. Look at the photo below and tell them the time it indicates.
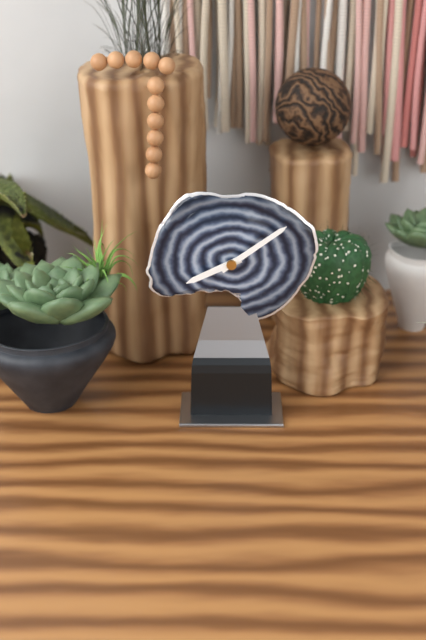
8:09
